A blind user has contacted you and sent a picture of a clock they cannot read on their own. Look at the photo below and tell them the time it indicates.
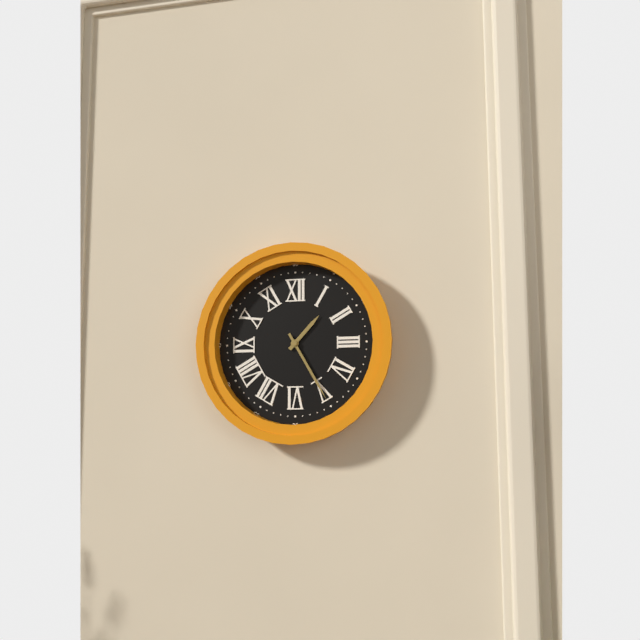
1:25
